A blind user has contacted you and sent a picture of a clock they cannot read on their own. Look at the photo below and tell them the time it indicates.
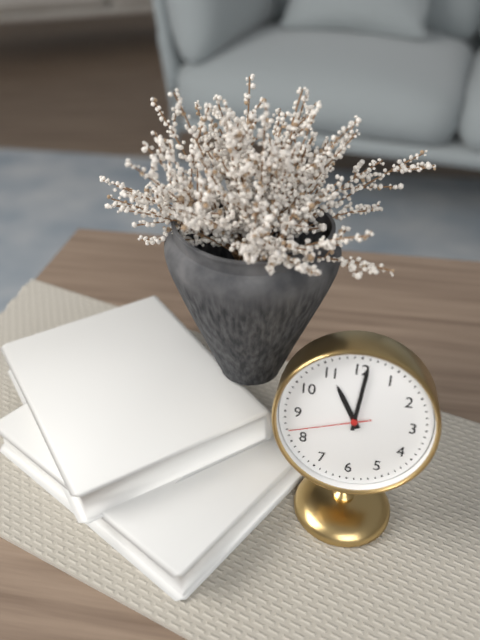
11:01:42
